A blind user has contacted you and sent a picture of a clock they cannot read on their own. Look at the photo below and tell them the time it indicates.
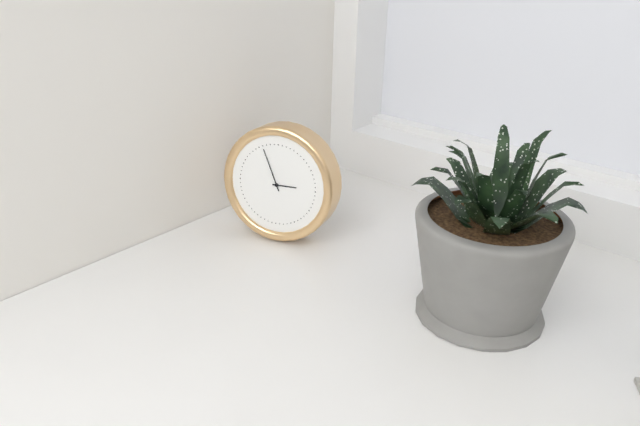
2:56
